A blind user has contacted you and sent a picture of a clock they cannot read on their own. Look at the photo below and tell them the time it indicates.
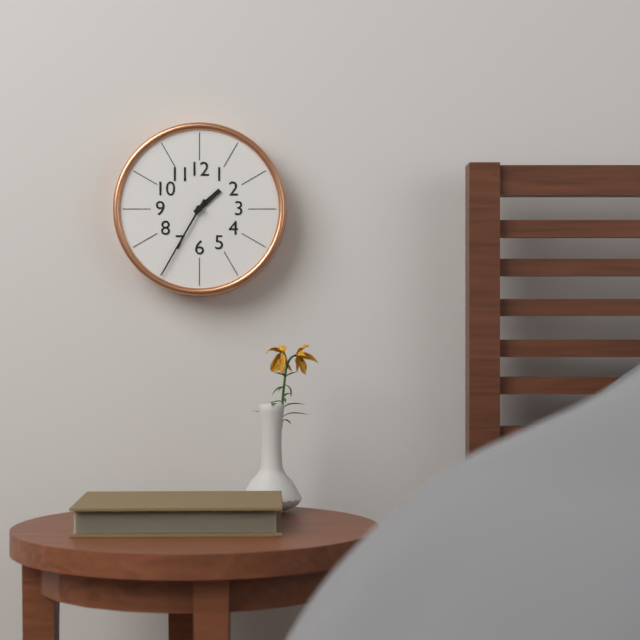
1:35
